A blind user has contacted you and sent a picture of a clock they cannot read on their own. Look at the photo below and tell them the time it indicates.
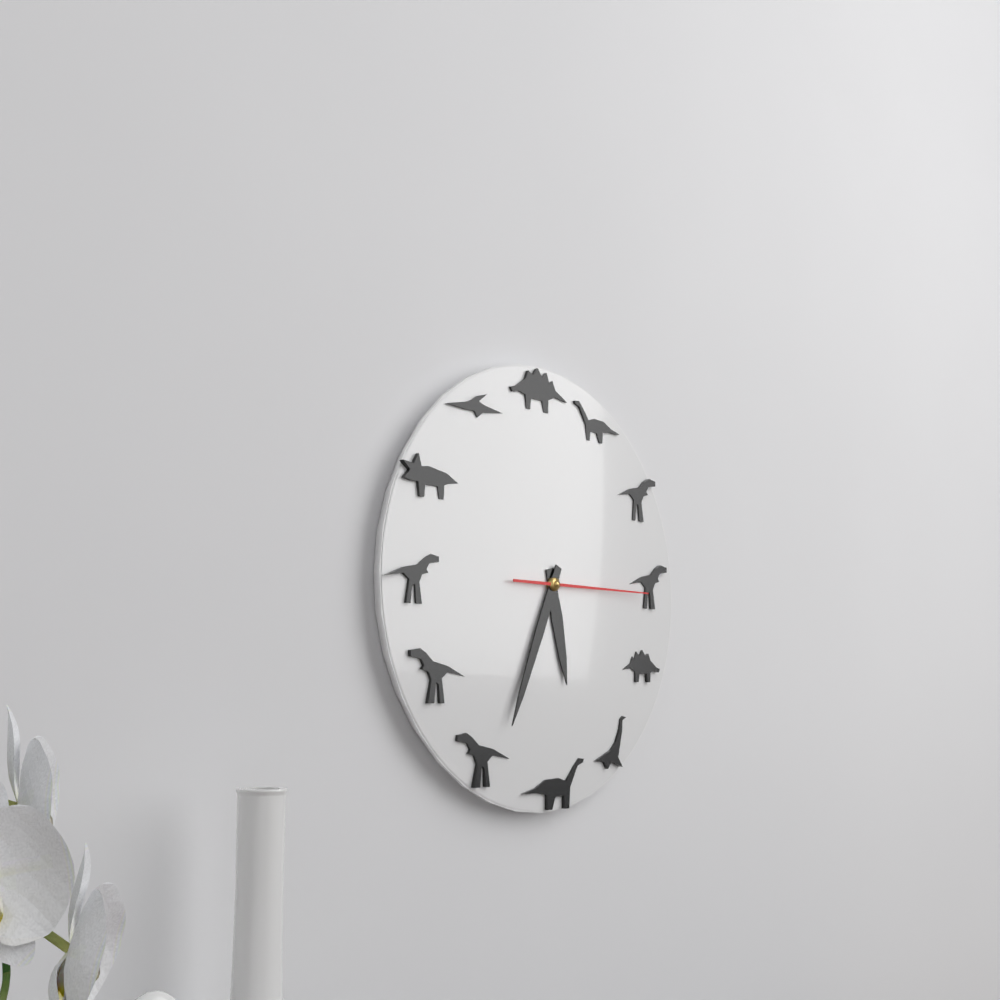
5:34:15
